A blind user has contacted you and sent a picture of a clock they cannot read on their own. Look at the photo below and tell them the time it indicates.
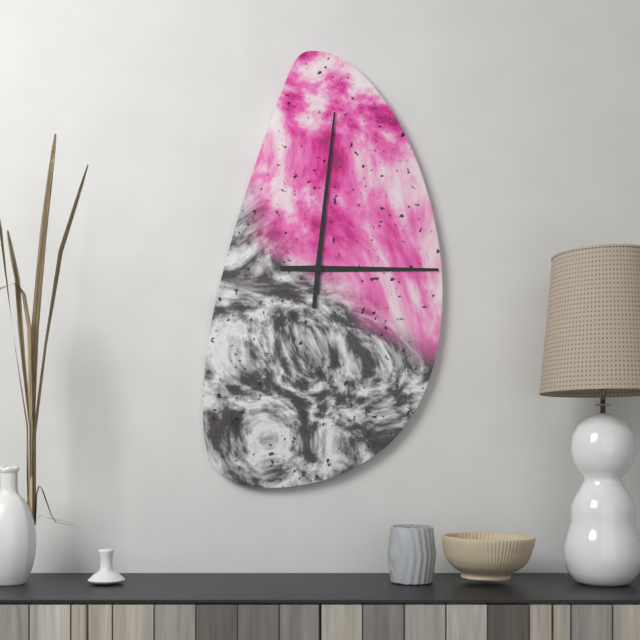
3:01
